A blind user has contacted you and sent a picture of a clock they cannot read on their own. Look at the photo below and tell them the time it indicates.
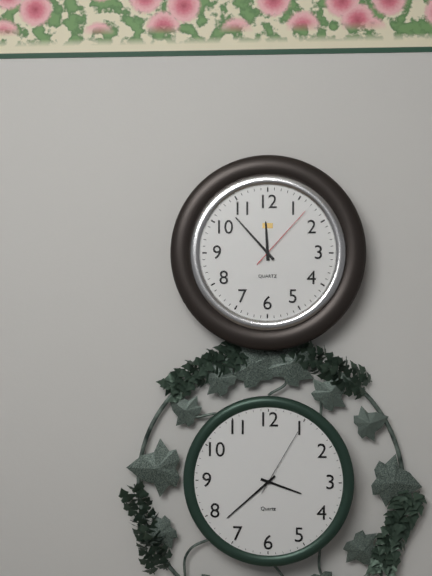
11:53:07
